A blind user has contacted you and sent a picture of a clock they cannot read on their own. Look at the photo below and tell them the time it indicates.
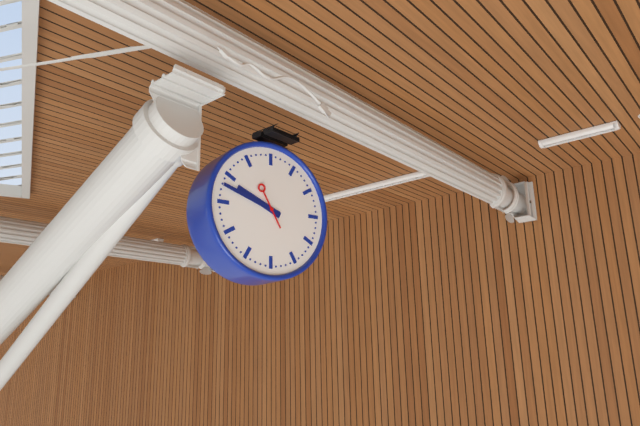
9:48
